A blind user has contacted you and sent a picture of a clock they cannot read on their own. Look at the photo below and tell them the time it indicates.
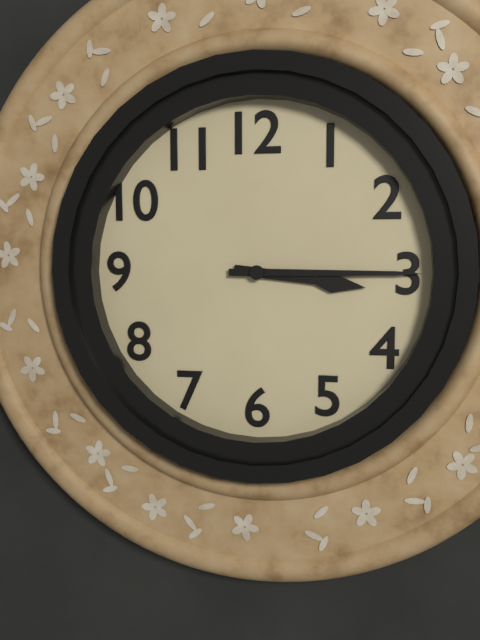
3:15
